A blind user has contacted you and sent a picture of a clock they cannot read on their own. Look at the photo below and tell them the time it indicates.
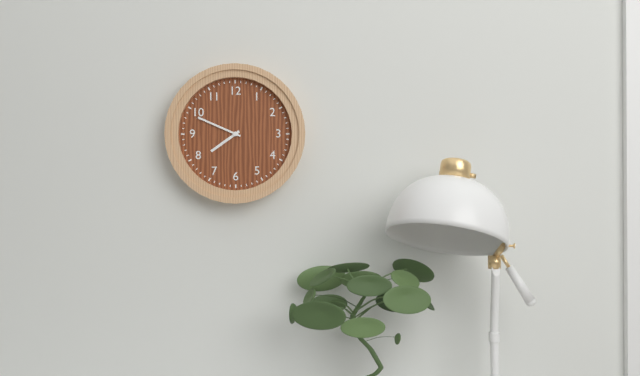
7:49
